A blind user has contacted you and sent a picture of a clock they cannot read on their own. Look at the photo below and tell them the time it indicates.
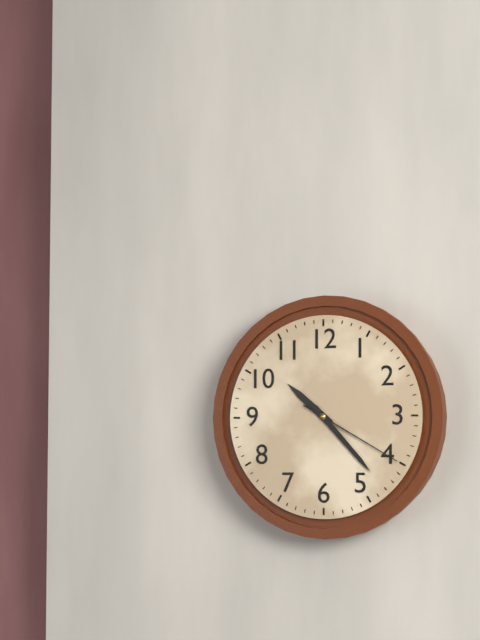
10:23:20
